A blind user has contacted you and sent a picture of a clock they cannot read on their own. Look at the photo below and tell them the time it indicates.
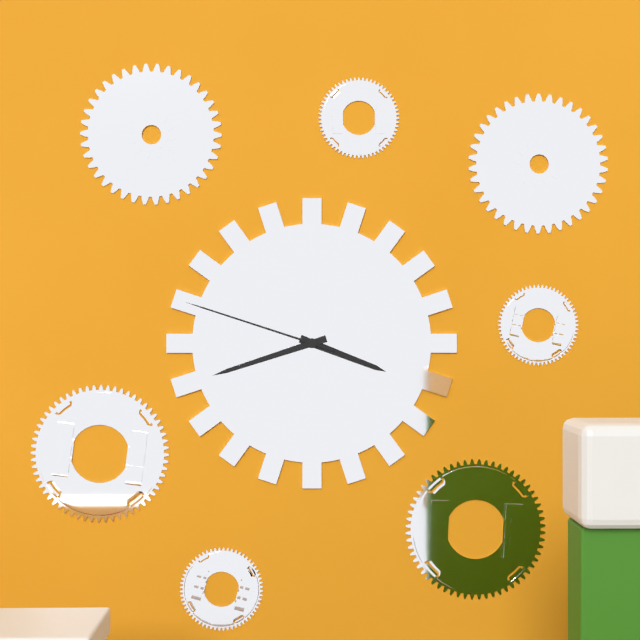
3:42:48
